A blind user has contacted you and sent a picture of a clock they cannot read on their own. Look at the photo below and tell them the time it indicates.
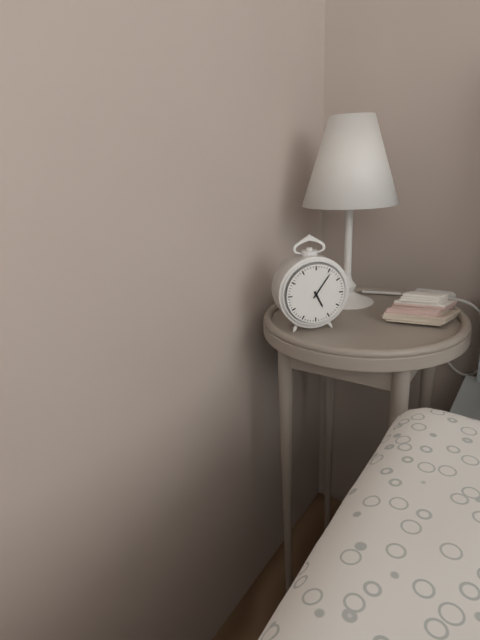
5:06
